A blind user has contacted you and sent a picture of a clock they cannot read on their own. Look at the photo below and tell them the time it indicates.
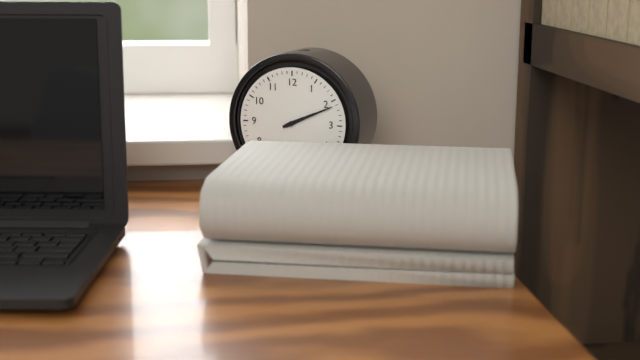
2:11
